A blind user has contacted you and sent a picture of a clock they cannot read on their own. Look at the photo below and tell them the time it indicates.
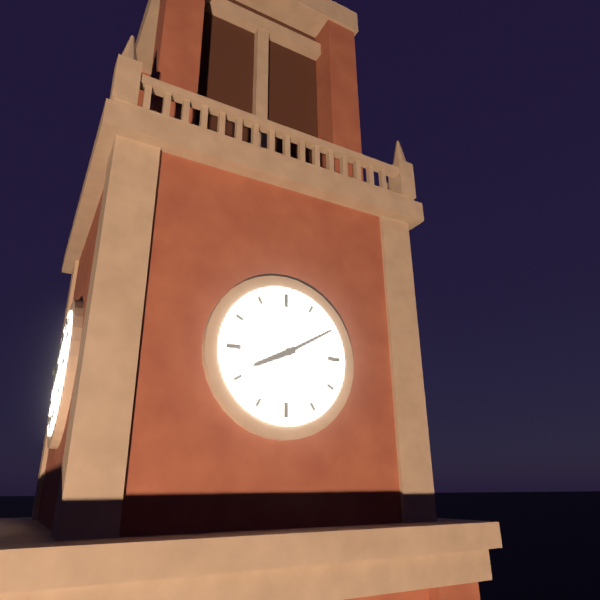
8:10
